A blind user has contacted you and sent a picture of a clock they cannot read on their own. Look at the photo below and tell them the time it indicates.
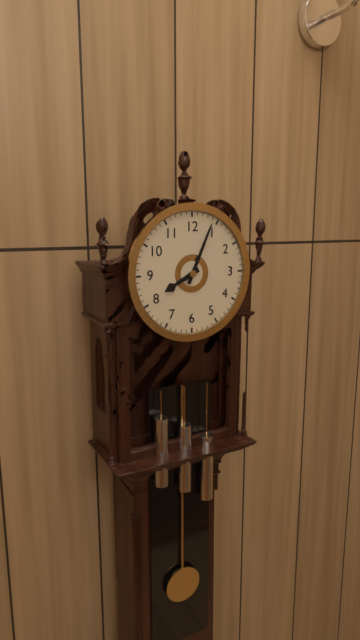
8:04
